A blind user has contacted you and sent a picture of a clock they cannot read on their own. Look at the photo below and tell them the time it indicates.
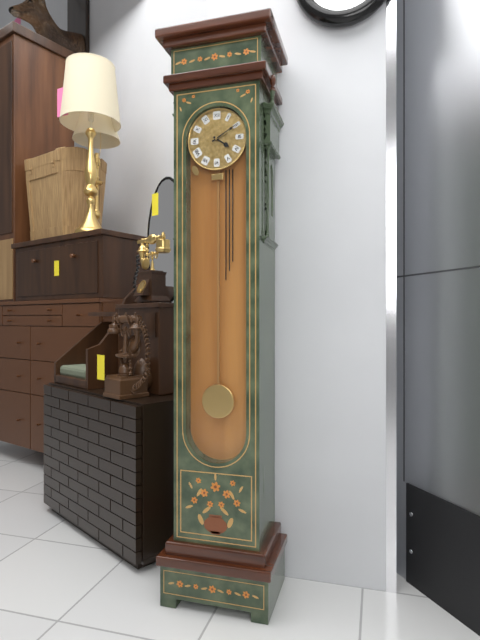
4:10
